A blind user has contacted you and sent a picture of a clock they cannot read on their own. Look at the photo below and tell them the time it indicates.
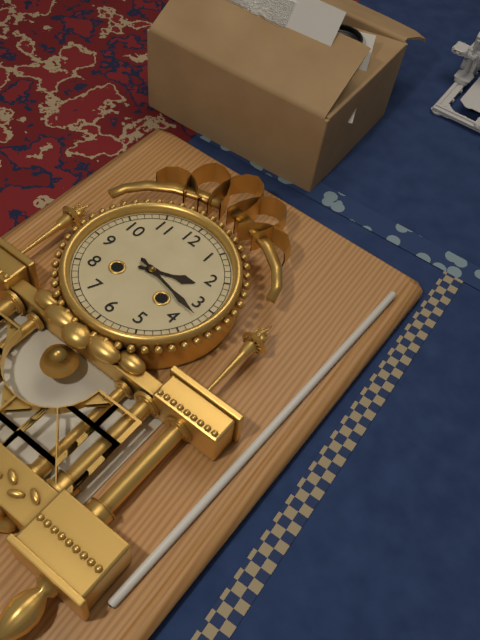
2:17
